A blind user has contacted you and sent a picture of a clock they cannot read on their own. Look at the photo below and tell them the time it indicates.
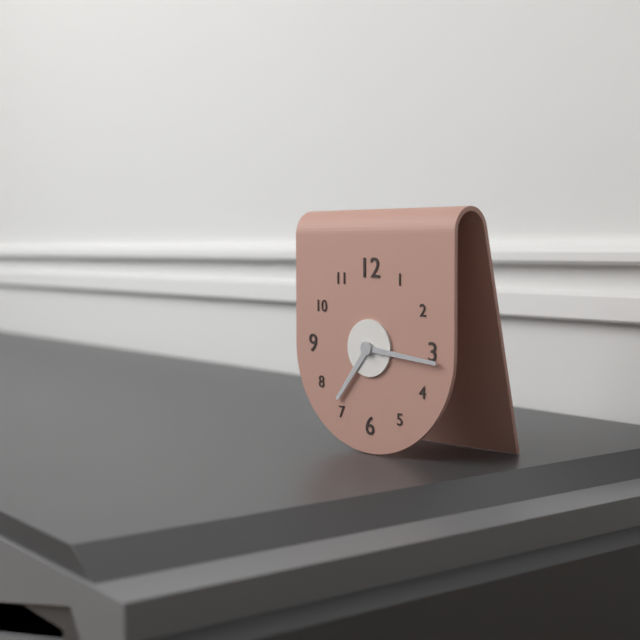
7:16
